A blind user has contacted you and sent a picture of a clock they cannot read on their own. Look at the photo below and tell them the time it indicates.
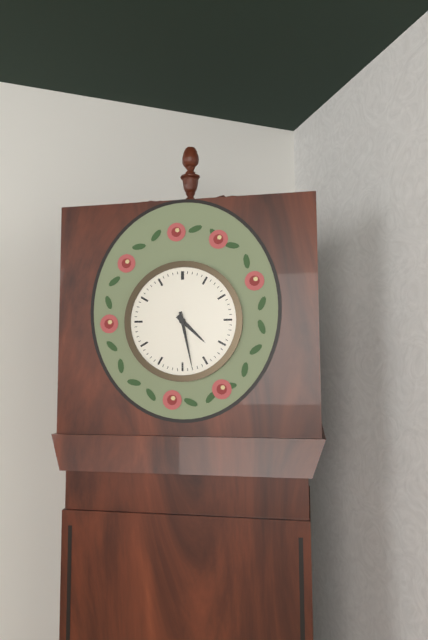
4:28
